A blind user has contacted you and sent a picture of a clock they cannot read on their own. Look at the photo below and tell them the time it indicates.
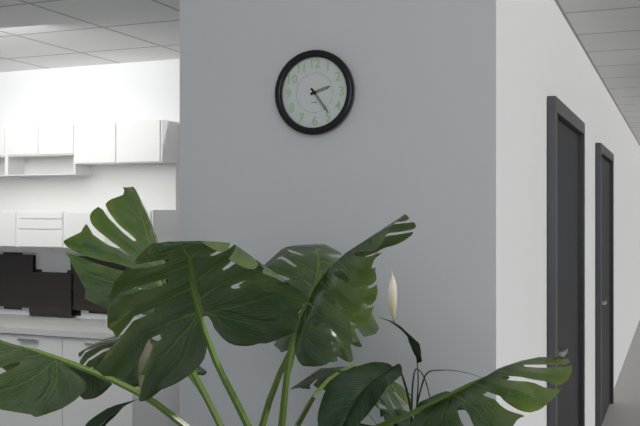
2:24
